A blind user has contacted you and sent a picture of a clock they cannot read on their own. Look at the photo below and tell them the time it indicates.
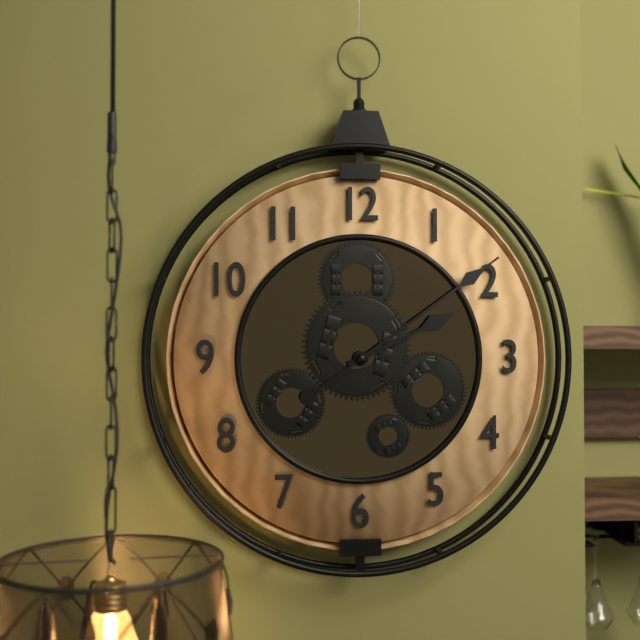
2:09
